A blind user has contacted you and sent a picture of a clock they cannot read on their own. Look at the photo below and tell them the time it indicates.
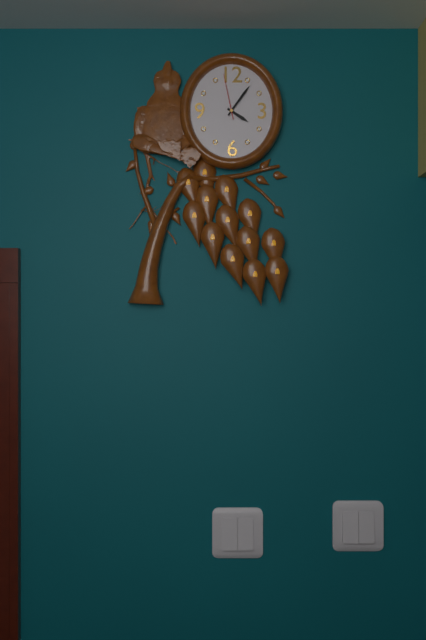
4:06
